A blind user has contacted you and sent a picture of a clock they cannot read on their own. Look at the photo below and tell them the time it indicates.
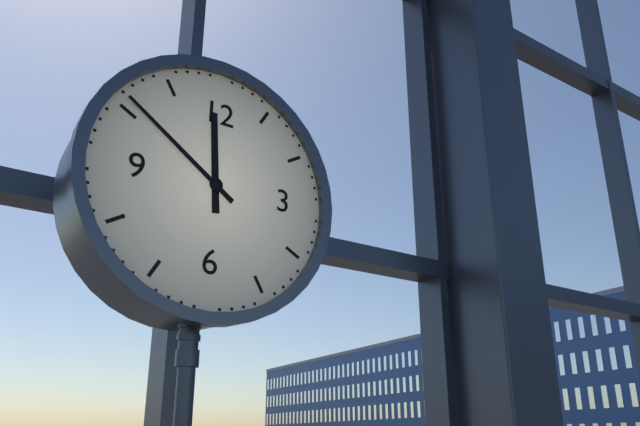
11:51
